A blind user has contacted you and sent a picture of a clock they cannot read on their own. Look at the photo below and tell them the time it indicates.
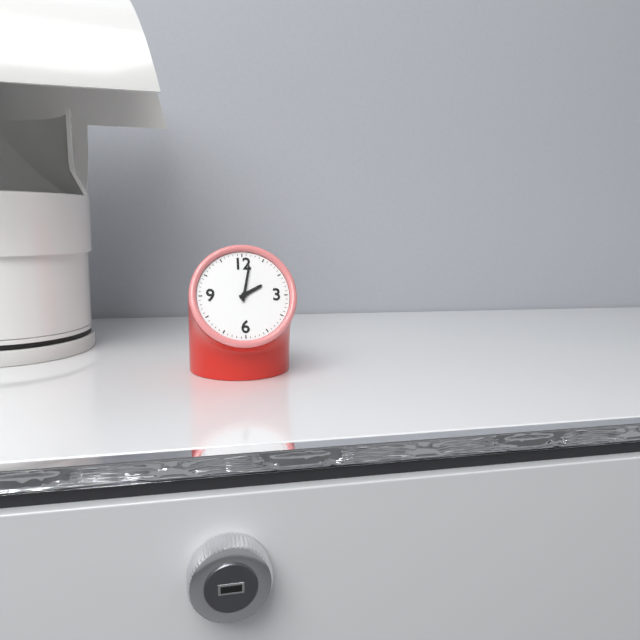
2:02
